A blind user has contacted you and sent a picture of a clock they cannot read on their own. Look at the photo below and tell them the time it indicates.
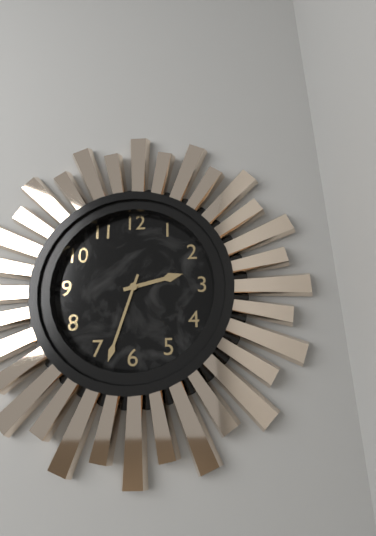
2:33
